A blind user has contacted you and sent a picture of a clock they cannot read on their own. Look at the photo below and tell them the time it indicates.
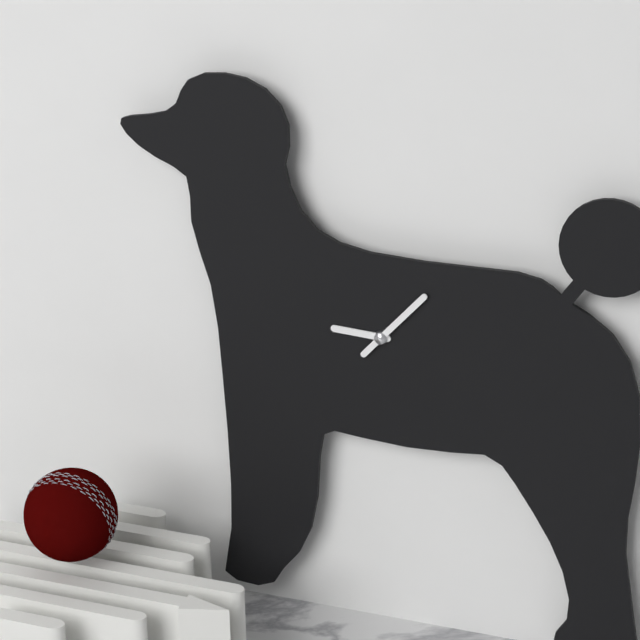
9:07
